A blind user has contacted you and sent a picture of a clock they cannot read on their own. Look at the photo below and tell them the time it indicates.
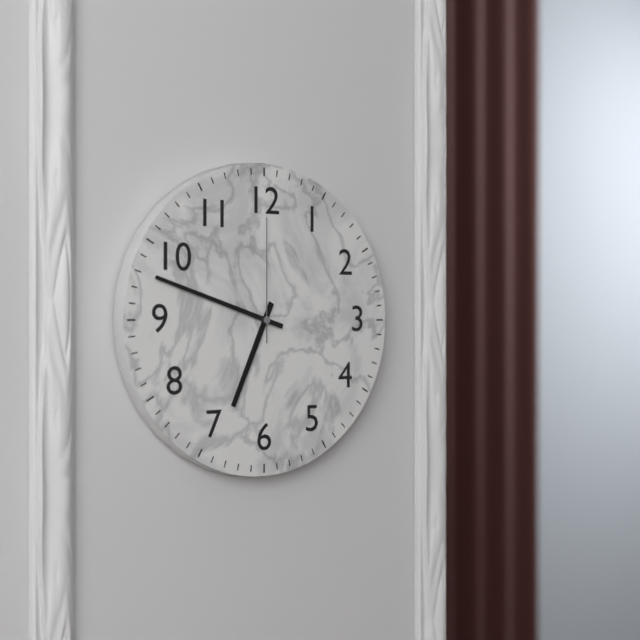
6:48:00
